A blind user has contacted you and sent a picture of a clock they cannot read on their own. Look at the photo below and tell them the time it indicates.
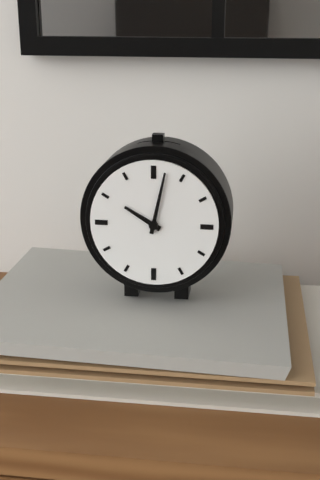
10:02
